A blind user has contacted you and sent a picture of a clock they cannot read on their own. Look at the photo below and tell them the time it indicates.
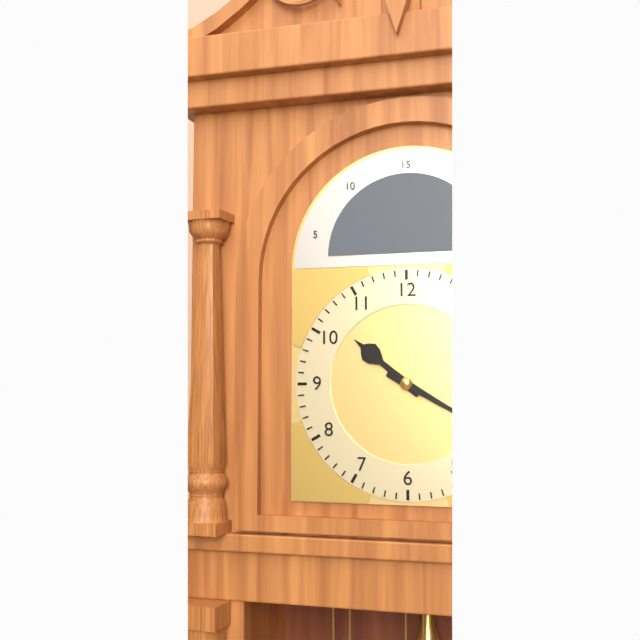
10:20
